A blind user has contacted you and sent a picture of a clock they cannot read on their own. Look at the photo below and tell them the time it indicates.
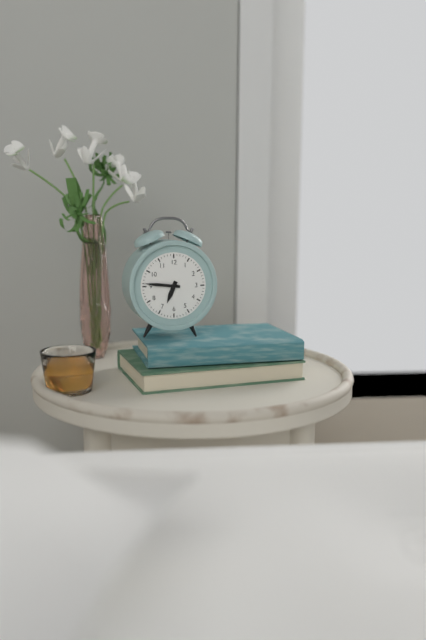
6:46
